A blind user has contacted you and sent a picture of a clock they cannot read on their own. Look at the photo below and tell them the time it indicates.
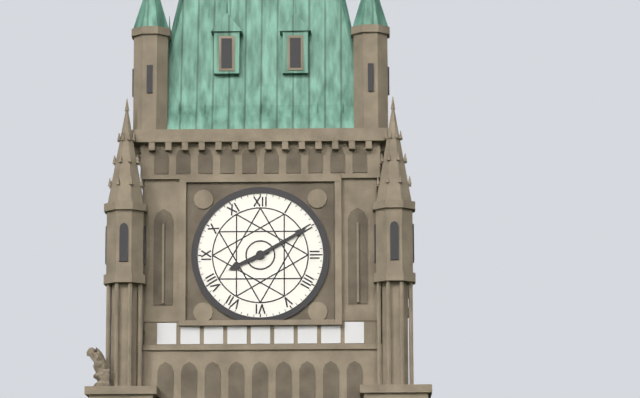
8:10
